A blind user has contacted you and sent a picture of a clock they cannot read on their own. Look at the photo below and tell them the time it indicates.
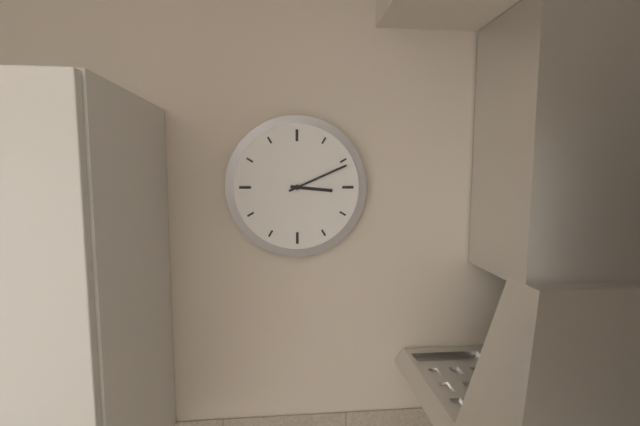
3:11
